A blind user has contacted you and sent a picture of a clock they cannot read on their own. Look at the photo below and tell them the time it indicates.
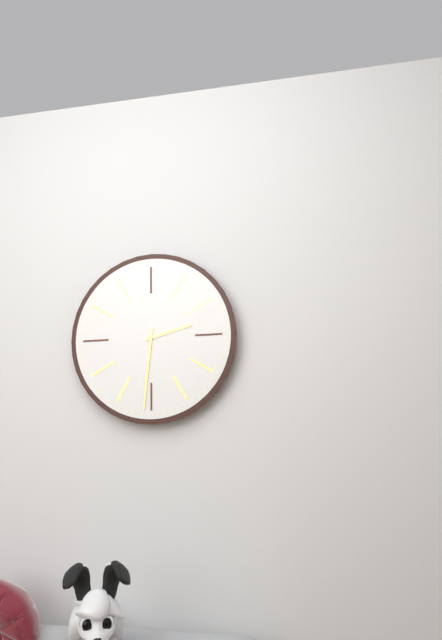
2:31
